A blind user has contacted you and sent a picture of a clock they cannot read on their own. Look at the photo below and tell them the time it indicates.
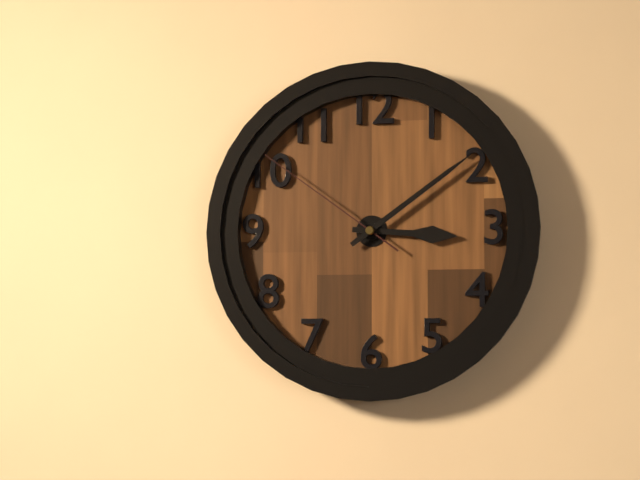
3:09:51
